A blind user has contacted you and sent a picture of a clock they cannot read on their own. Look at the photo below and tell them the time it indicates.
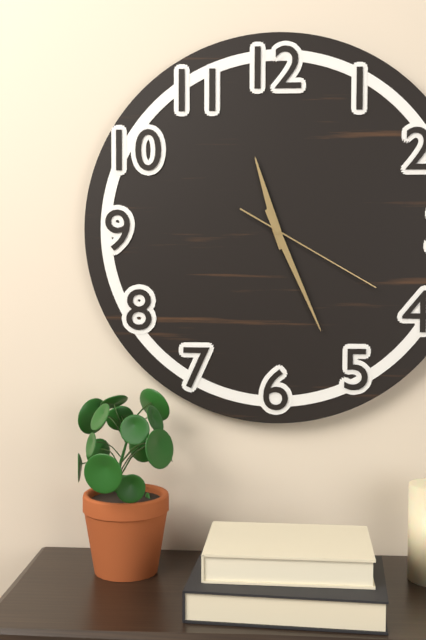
11:26:20
